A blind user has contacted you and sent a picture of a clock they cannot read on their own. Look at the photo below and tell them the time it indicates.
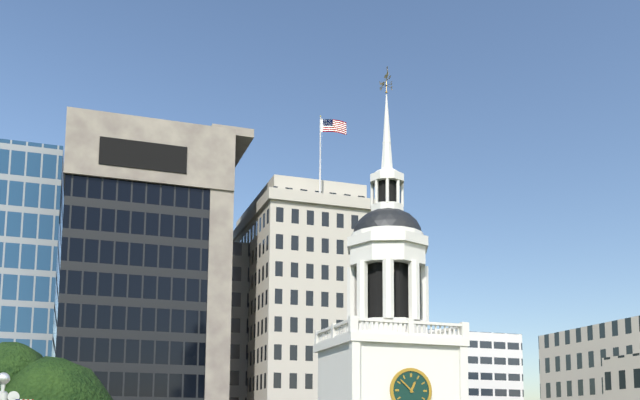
12:52
